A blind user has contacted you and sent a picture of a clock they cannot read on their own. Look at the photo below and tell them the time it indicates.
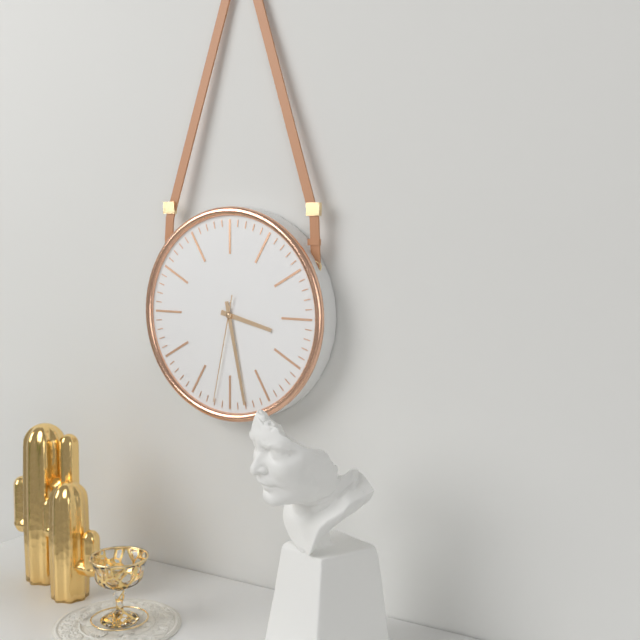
3:28:32
